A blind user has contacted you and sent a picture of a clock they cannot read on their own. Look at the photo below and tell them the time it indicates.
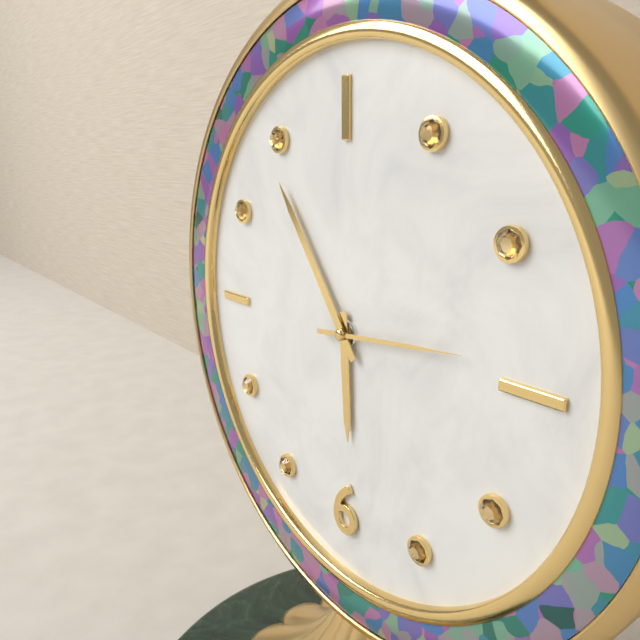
5:54:14
